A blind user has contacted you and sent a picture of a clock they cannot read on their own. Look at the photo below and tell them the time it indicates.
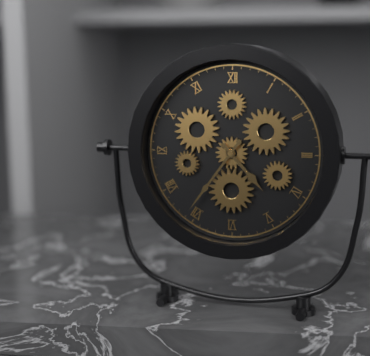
4:36
